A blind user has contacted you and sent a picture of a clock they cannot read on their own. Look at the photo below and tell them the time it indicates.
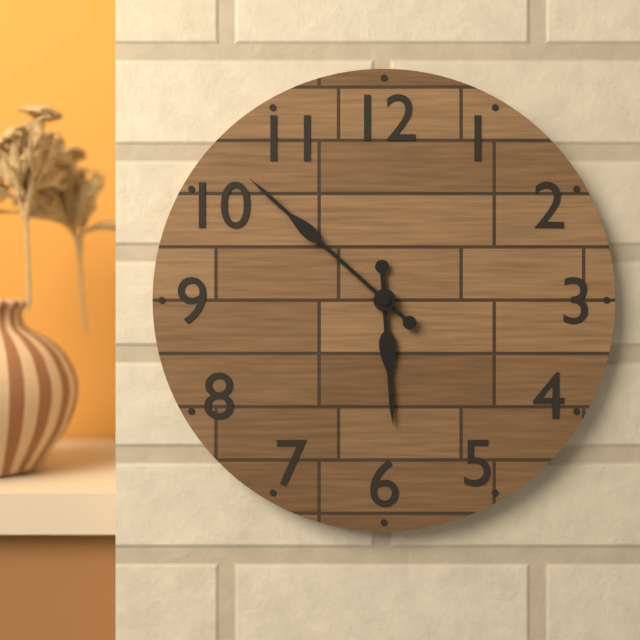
5:52
